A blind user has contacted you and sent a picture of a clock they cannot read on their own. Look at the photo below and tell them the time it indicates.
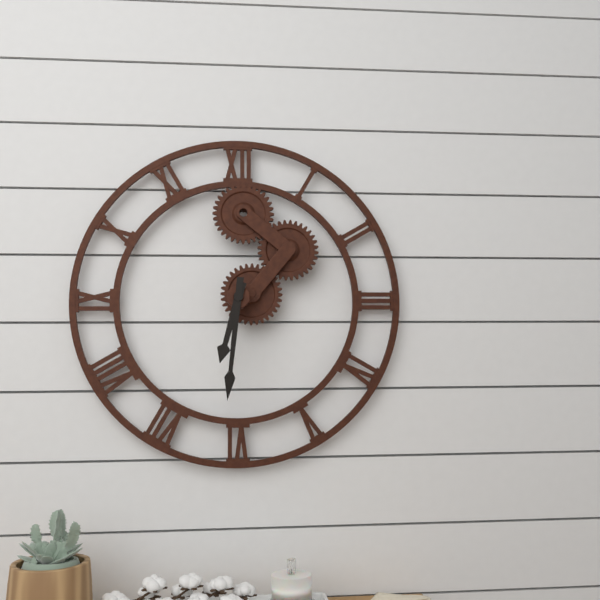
6:31
